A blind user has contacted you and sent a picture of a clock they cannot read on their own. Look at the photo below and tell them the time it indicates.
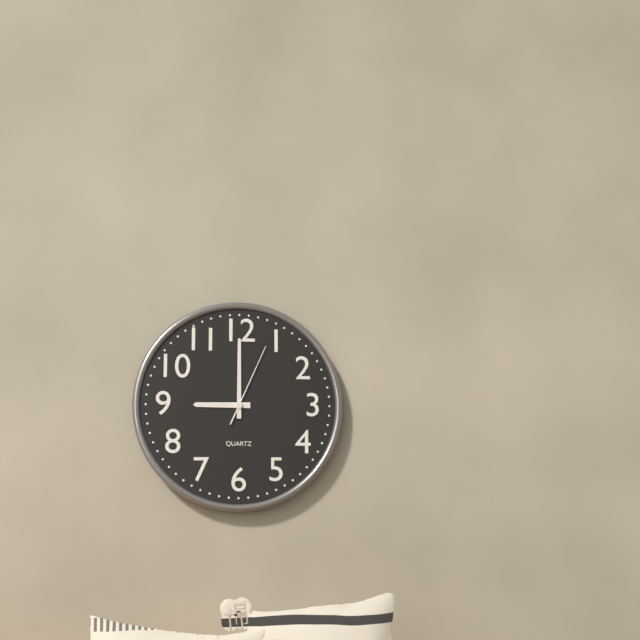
9:00:04
